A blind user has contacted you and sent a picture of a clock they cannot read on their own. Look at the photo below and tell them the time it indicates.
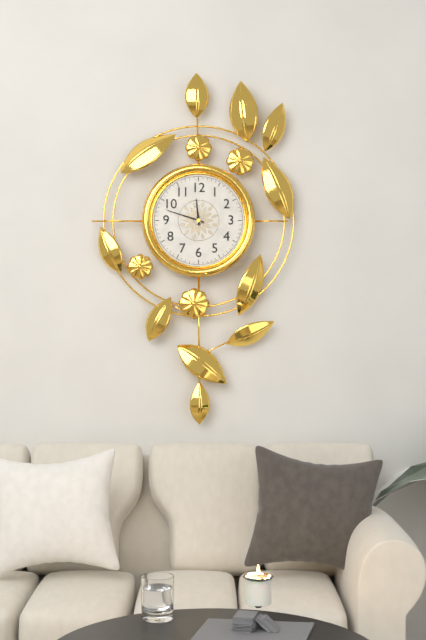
11:48
